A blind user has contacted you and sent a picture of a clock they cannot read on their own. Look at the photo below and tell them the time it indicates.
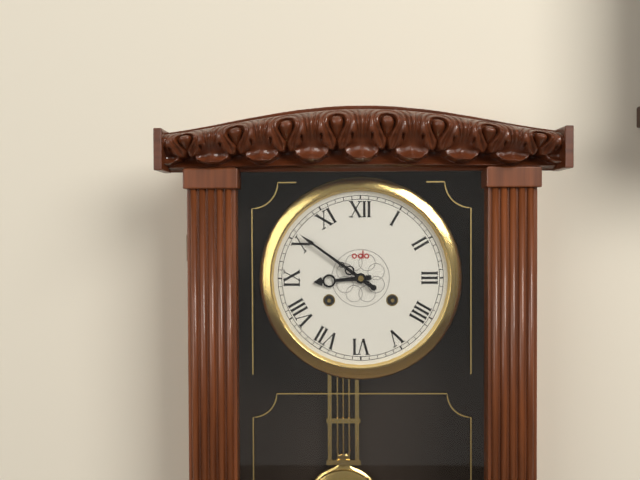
8:51
